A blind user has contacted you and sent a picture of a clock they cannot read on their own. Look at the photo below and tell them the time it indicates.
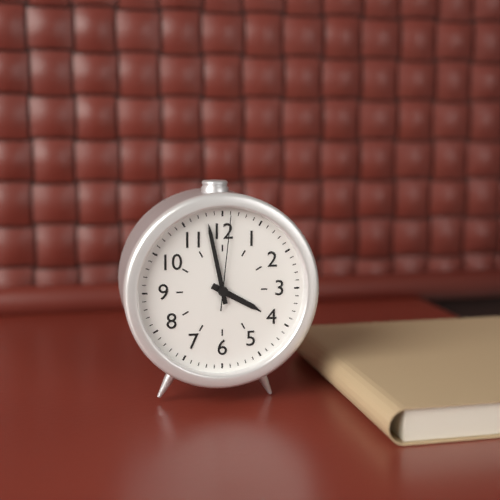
3:58:01
